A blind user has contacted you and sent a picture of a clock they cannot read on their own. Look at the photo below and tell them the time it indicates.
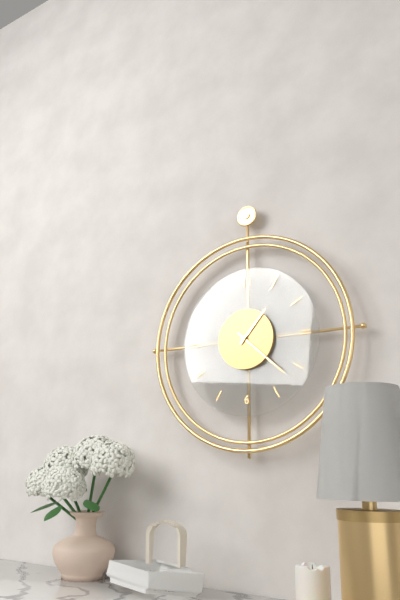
1:22
